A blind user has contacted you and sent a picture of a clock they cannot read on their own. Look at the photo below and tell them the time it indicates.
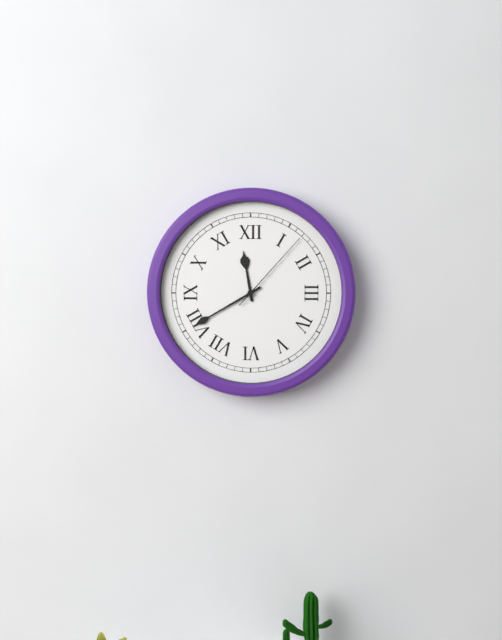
11:40:07
